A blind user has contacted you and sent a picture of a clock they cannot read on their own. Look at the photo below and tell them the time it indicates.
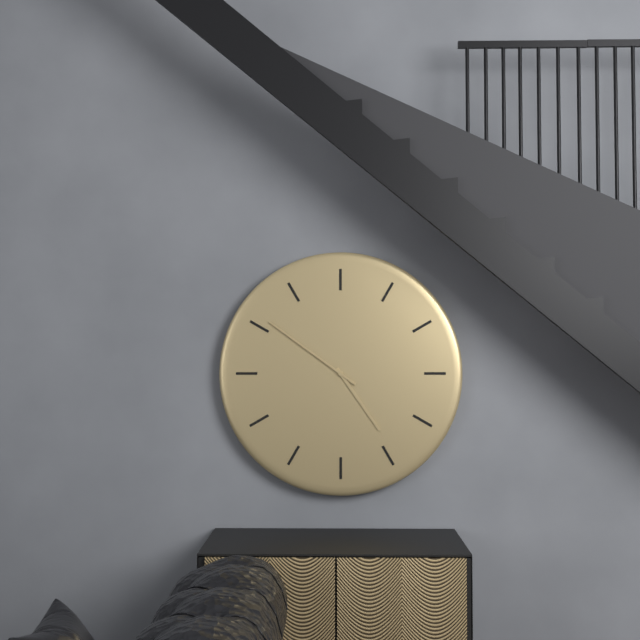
4:51
